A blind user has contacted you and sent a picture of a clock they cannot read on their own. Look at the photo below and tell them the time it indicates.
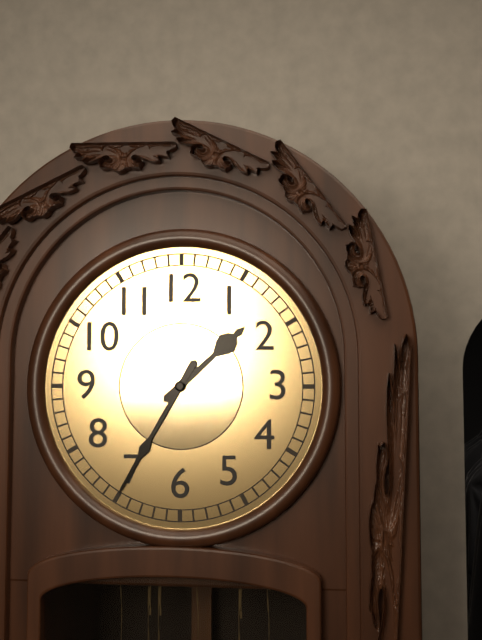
1:35
